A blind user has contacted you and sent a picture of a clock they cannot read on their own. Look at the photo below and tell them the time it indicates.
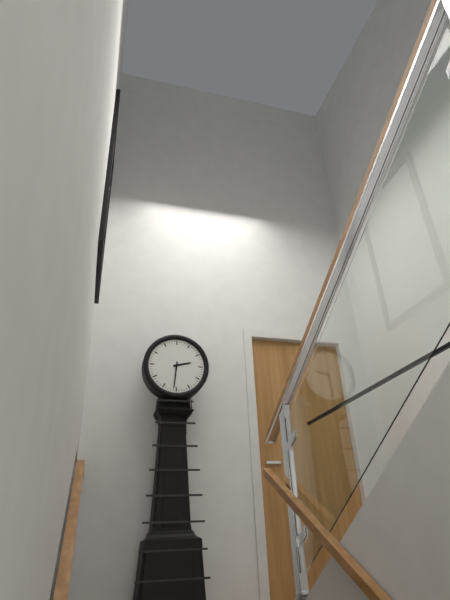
2:31
